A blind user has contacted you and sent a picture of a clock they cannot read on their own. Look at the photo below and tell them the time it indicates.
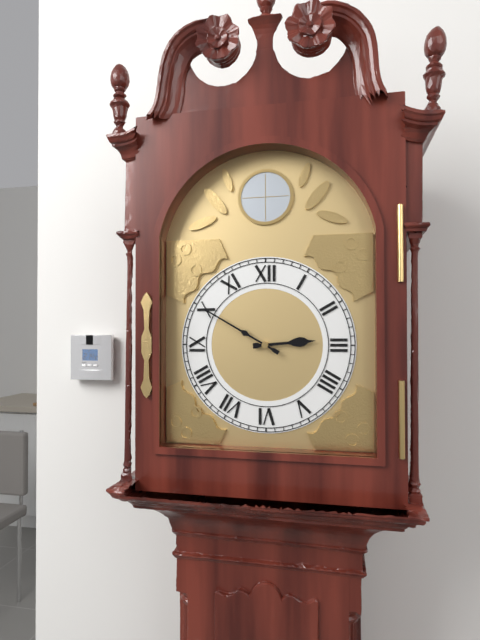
2:50
